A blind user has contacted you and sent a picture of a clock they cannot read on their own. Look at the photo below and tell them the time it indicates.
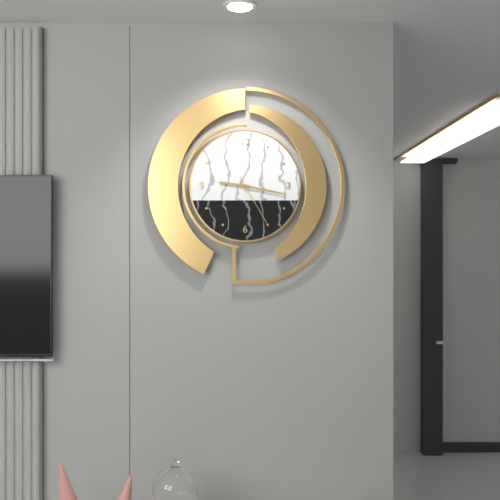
9:17:25
